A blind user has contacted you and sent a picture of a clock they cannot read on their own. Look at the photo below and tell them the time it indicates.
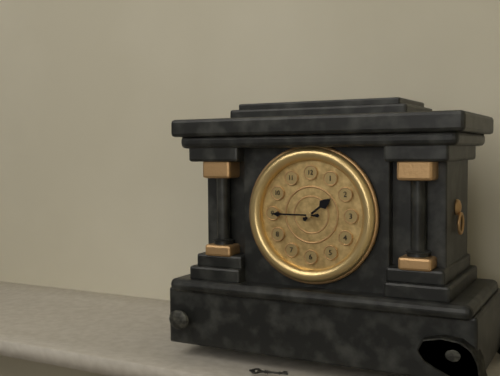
1:45
